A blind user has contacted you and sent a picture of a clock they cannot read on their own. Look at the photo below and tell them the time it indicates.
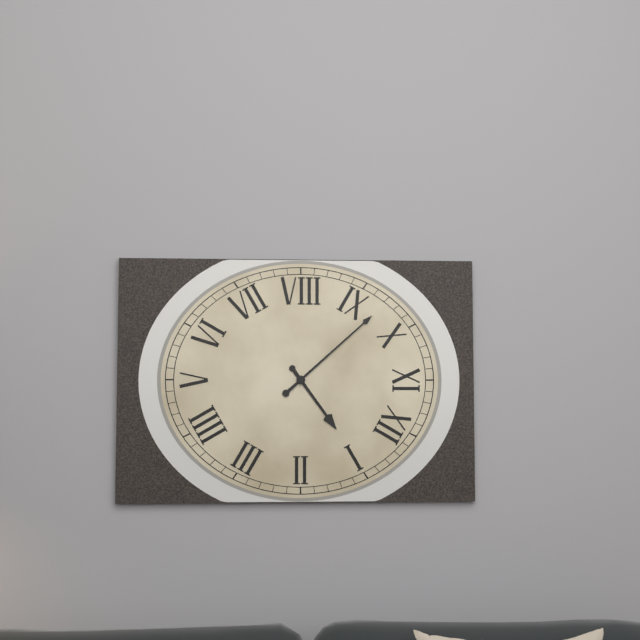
12:48
